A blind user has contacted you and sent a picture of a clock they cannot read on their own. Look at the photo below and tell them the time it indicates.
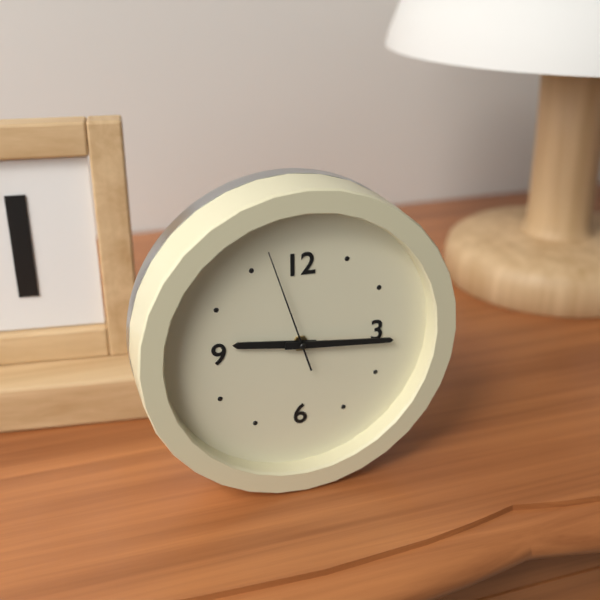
9:16:57
